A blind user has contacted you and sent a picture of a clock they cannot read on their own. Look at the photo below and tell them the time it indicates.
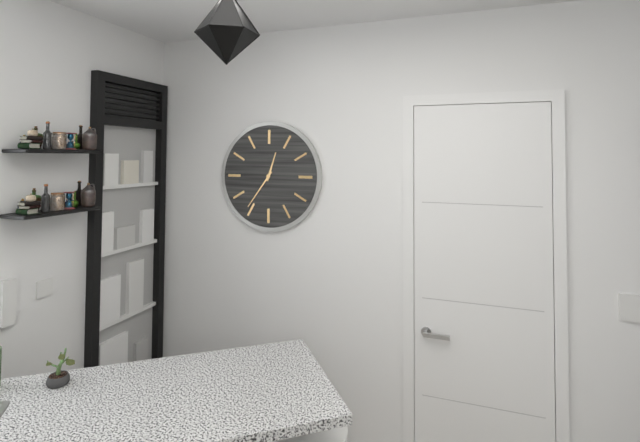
12:36
